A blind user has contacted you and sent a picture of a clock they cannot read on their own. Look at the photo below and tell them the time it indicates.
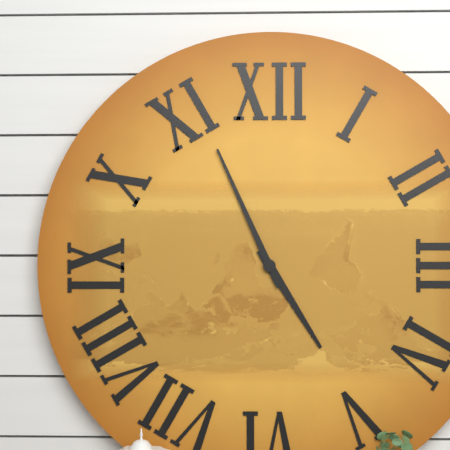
4:56
